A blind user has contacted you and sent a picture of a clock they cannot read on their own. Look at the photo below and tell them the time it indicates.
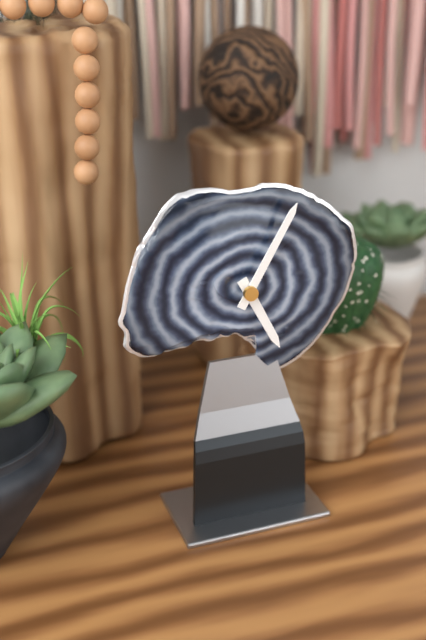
5:05
